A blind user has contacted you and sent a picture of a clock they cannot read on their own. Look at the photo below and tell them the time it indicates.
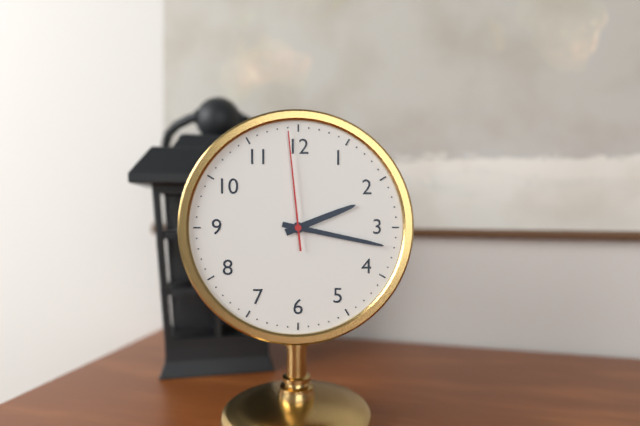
2:17:59
